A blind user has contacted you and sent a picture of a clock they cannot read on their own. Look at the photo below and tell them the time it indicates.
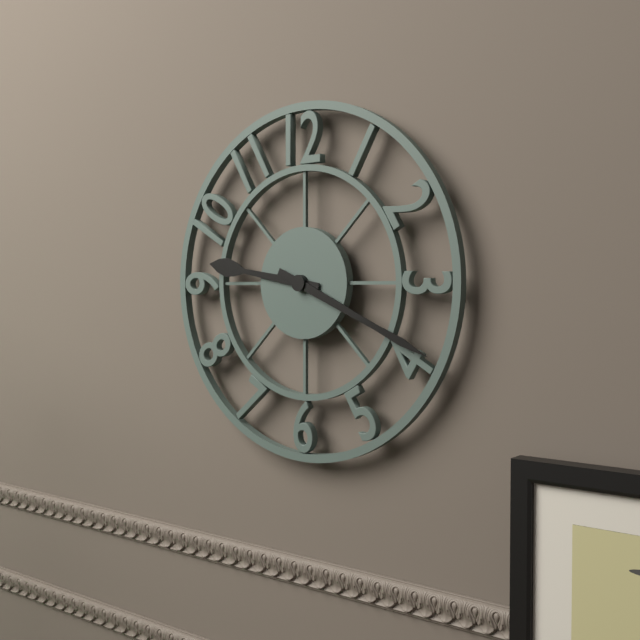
9:19
